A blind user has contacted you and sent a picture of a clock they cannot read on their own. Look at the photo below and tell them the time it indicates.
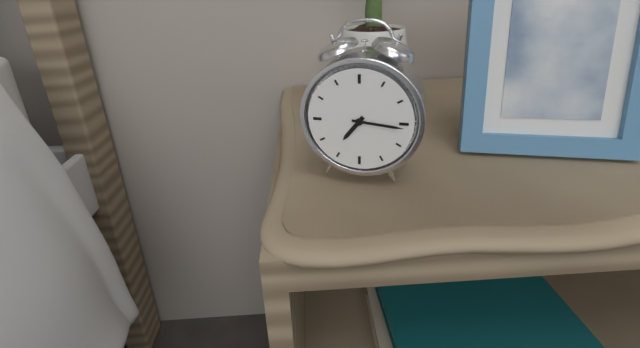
7:16
